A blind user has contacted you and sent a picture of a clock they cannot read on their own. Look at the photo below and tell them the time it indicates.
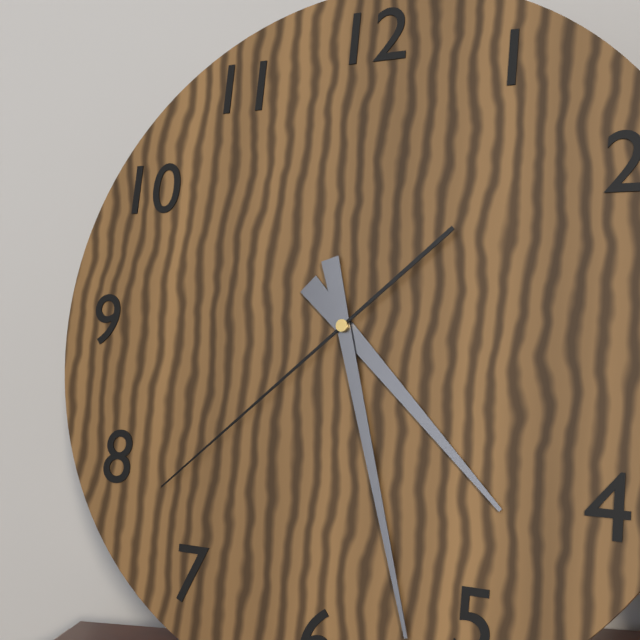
4:27:38
